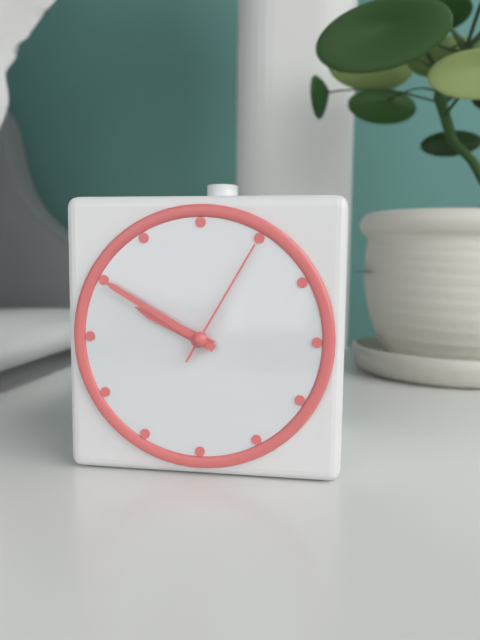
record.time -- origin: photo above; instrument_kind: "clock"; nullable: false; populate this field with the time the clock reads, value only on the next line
9:50:05
